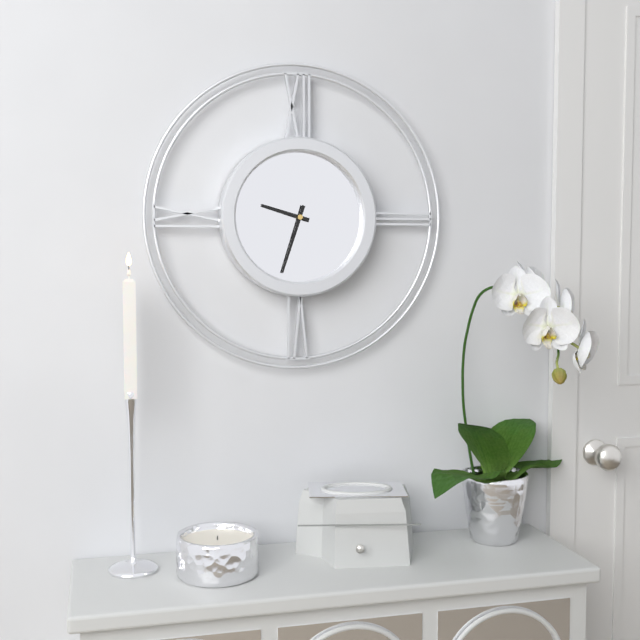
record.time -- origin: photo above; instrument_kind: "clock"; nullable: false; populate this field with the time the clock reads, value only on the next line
9:33
